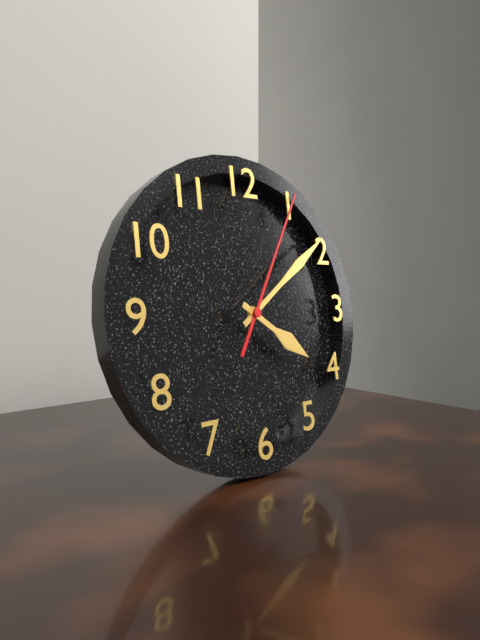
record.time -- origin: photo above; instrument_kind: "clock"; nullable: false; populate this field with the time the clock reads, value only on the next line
4:09:05
